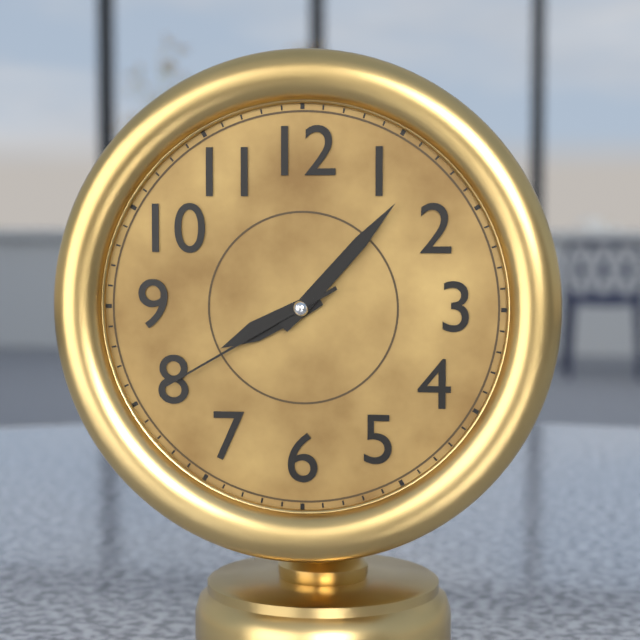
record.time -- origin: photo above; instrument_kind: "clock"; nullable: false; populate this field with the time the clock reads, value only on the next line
8:07:40
